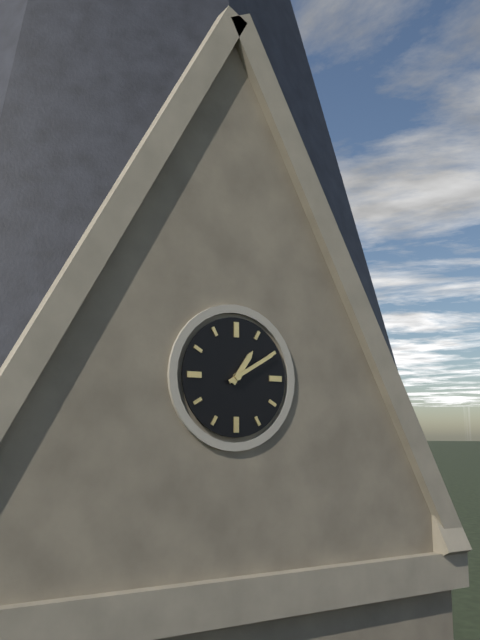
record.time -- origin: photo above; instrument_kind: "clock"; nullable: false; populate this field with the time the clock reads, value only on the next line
1:10
